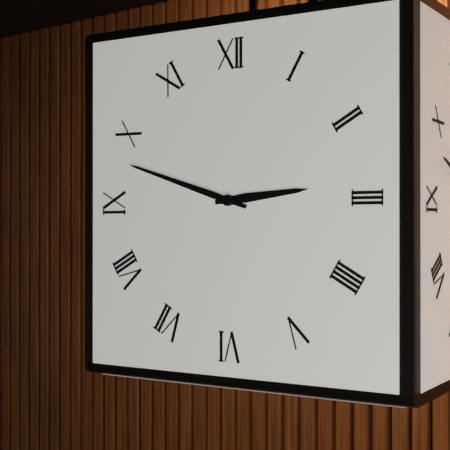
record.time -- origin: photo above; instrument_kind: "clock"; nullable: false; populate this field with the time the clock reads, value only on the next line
2:48
